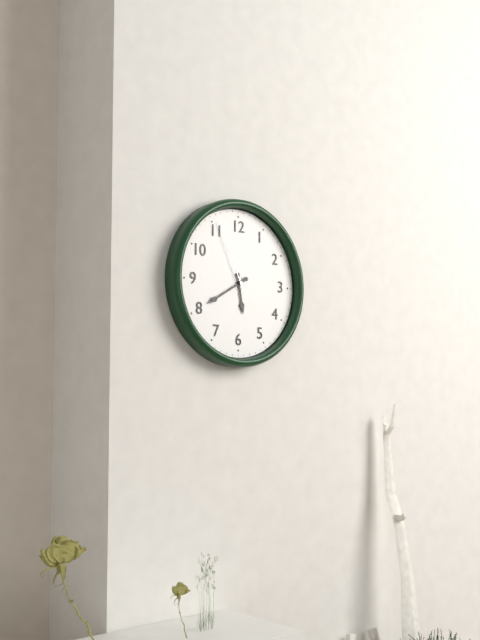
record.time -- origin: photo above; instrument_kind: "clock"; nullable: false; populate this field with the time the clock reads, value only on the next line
5:40:56
